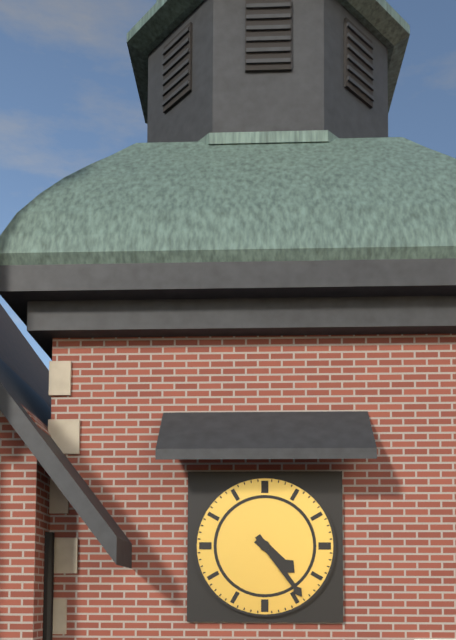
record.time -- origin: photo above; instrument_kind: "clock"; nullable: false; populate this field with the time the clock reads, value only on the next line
4:24
